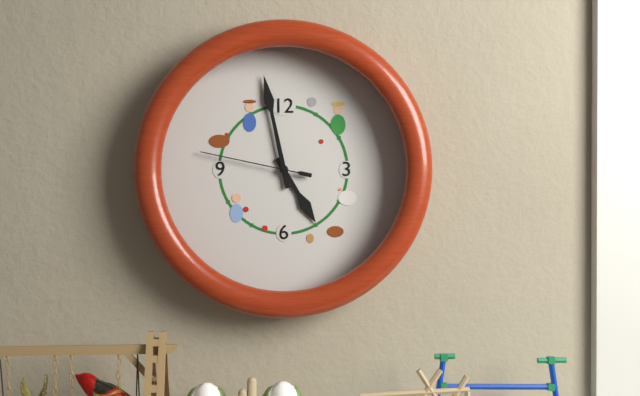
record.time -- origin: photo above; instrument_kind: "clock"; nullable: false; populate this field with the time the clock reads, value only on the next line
4:58:47
